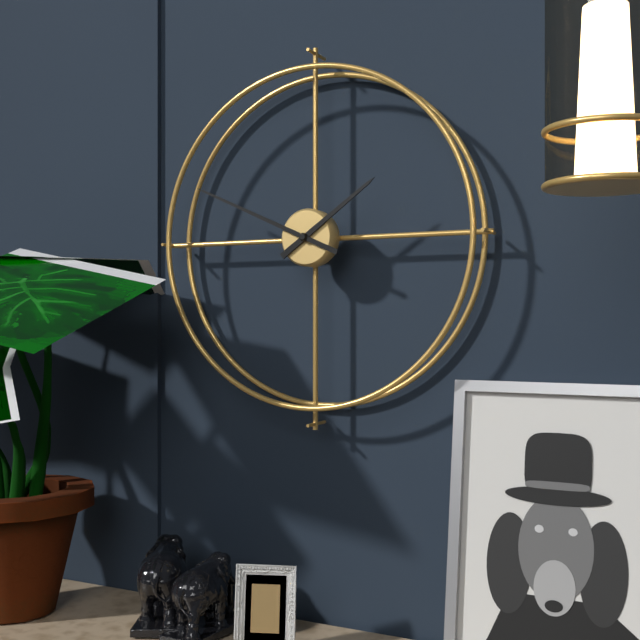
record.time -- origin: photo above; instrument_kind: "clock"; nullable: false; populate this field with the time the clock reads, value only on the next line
1:49
